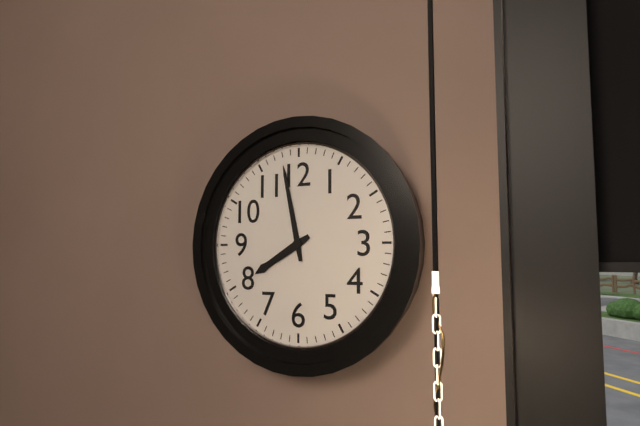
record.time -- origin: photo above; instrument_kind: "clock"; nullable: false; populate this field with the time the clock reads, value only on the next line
7:58
